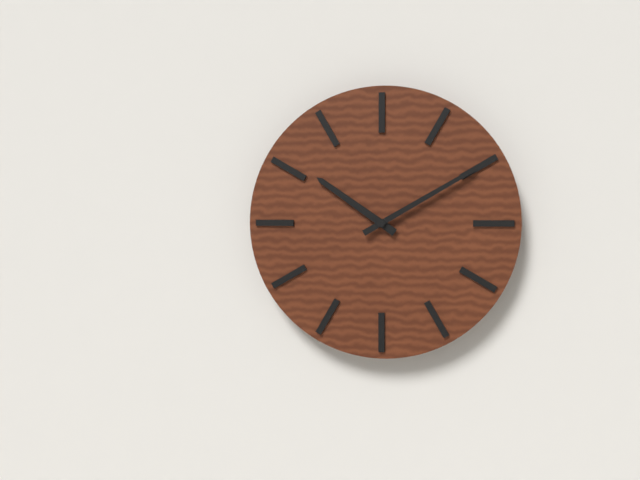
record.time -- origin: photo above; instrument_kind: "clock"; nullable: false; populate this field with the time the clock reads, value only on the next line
10:10
